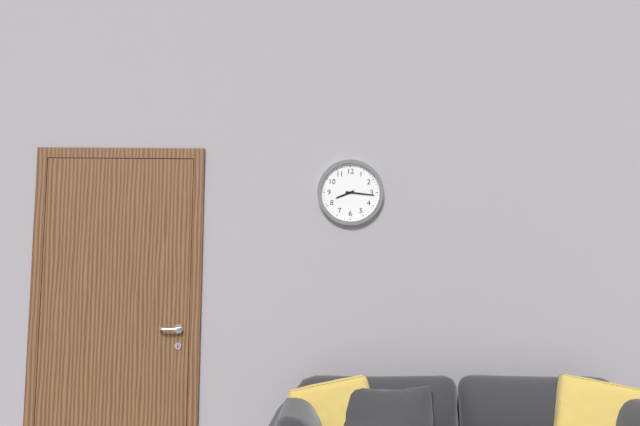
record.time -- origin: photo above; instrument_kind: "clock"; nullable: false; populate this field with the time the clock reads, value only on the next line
8:16
